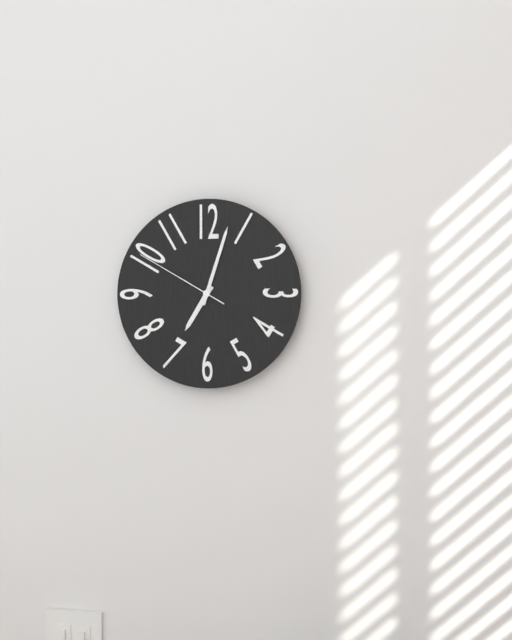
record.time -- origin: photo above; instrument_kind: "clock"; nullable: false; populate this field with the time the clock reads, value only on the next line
7:03:50
